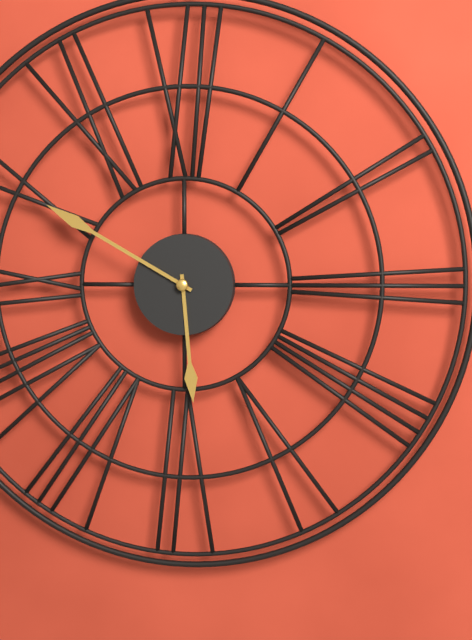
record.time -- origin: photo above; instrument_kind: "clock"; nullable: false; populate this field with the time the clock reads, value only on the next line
5:50
